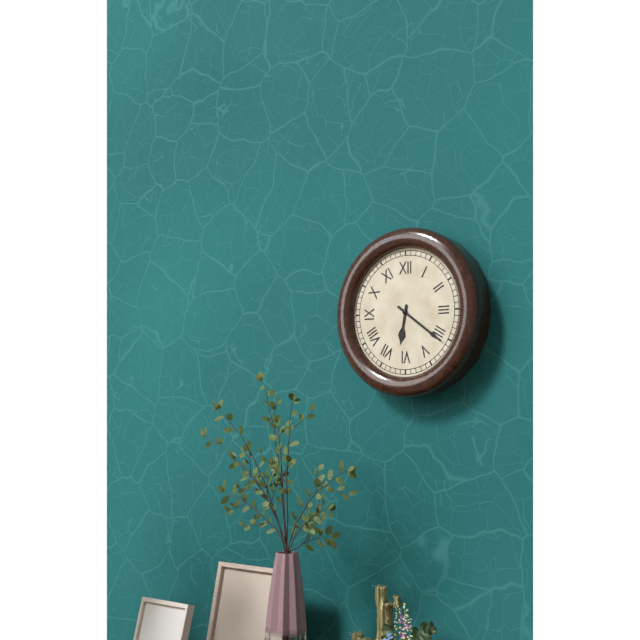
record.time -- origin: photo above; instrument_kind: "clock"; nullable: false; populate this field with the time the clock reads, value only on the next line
6:21
